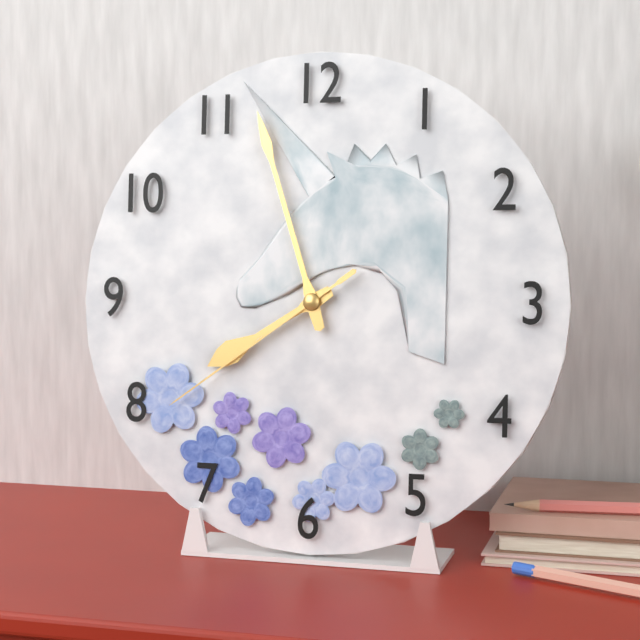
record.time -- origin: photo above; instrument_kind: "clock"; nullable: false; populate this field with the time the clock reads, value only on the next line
7:57:39
